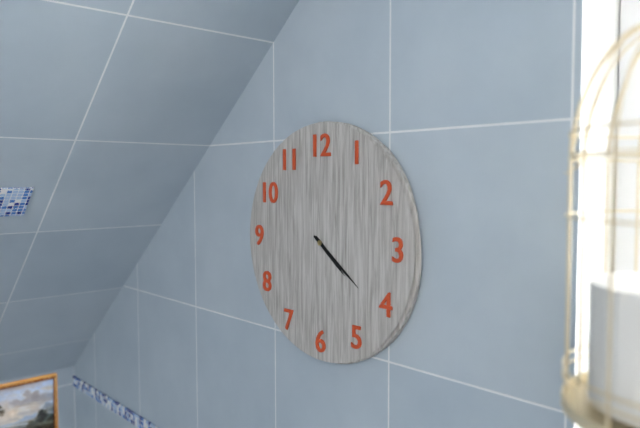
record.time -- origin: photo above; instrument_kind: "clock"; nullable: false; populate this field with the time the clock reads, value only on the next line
4:21
